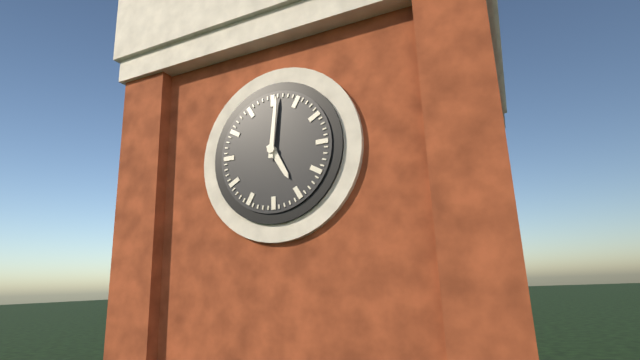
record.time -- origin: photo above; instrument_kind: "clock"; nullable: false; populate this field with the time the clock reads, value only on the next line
5:01
